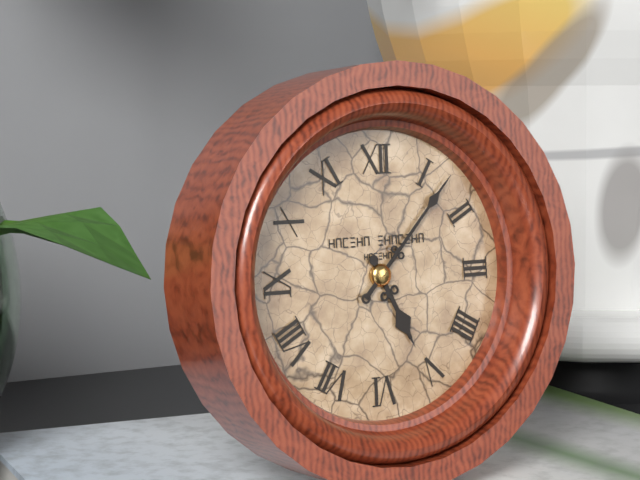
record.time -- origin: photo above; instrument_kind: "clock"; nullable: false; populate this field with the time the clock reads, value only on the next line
5:07
